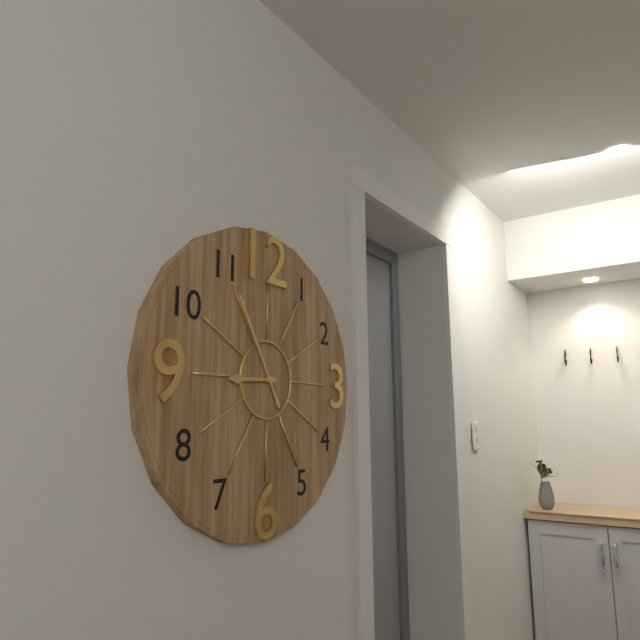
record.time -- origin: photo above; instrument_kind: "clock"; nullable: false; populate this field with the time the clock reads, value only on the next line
8:55
